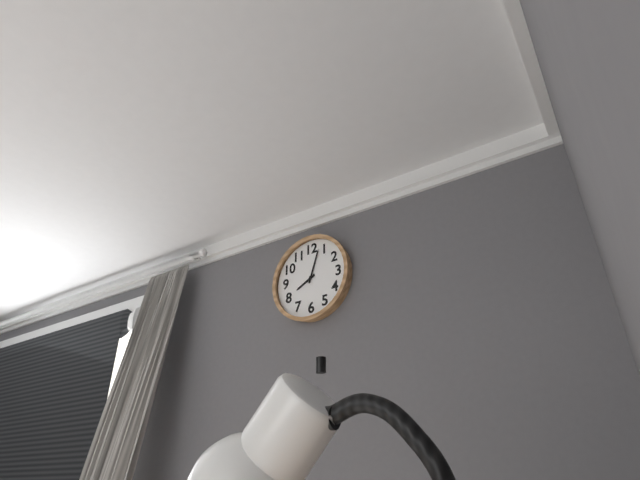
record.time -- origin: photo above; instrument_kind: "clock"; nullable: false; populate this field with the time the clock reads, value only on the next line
8:03
